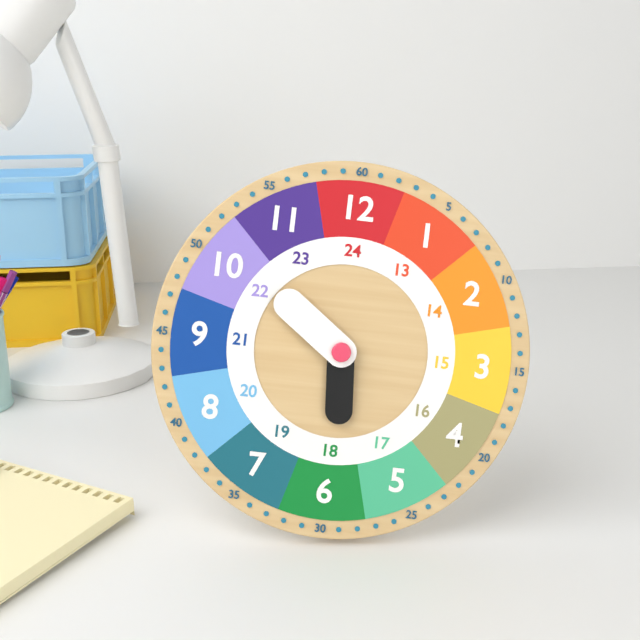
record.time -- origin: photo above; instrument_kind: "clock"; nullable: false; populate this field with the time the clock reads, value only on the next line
5:51
